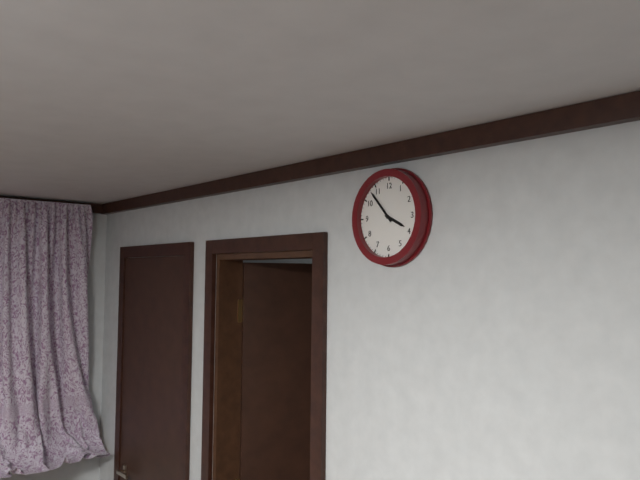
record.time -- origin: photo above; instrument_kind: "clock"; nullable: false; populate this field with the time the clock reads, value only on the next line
3:53
